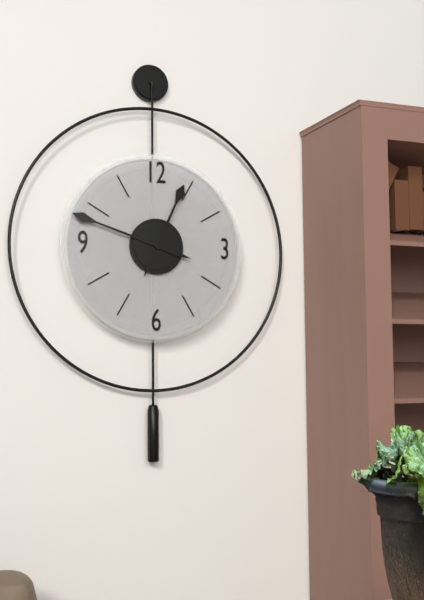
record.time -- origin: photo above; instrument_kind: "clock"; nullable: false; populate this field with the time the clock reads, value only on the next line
12:48
